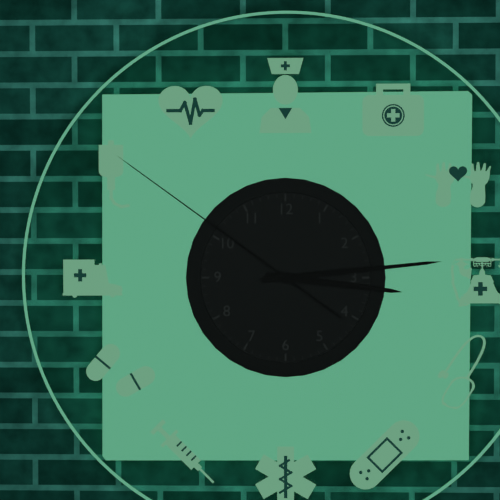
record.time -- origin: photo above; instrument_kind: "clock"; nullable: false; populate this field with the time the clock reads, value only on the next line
3:14:51
